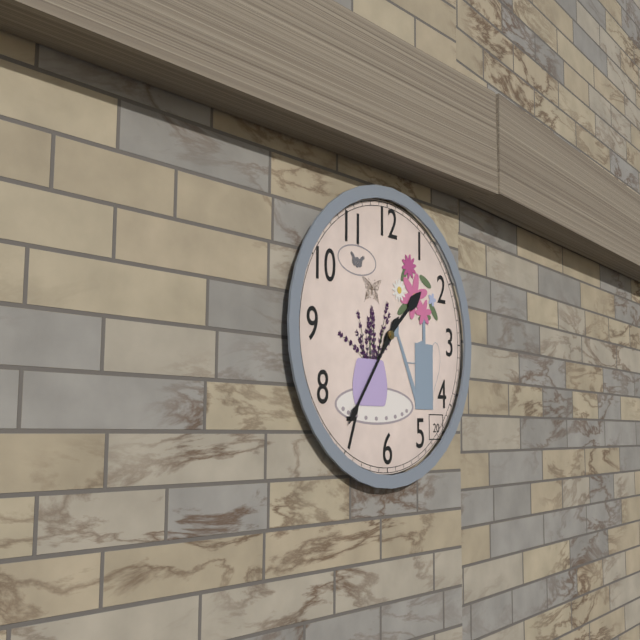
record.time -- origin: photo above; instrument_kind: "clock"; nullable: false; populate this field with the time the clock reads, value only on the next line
1:36
